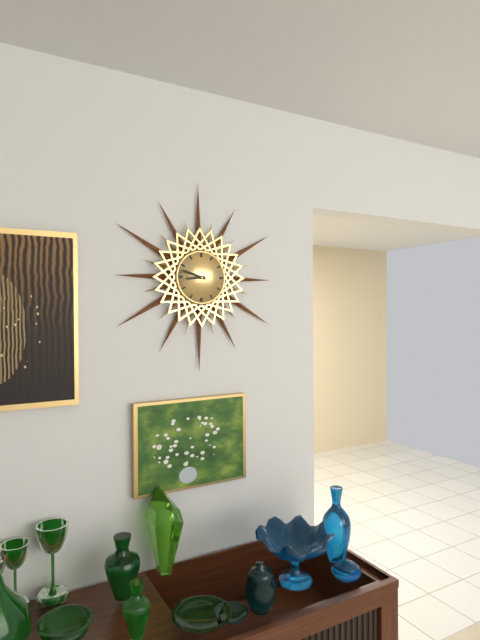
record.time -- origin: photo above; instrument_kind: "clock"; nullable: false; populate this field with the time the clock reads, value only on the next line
8:48
